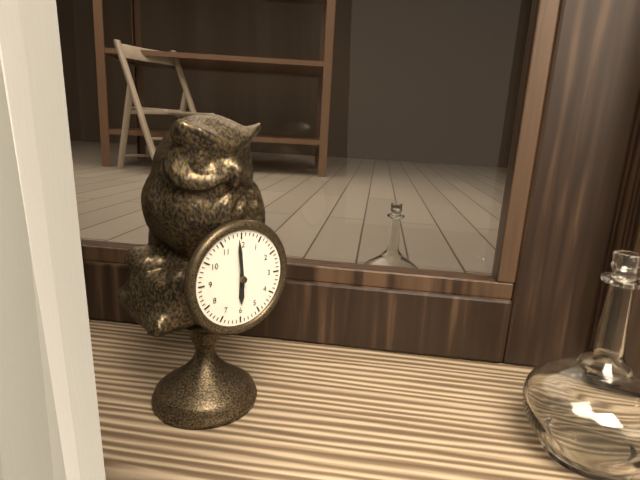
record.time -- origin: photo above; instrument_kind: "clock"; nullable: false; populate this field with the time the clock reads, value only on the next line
5:59
